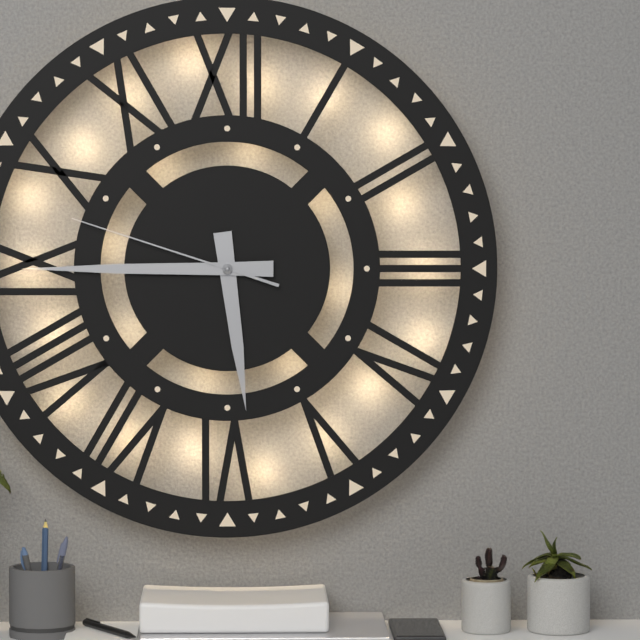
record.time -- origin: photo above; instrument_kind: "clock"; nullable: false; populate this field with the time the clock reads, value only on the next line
5:45:48
